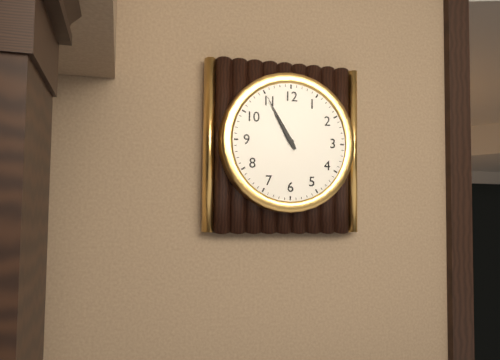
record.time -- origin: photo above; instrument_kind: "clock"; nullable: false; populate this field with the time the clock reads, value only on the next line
10:55
